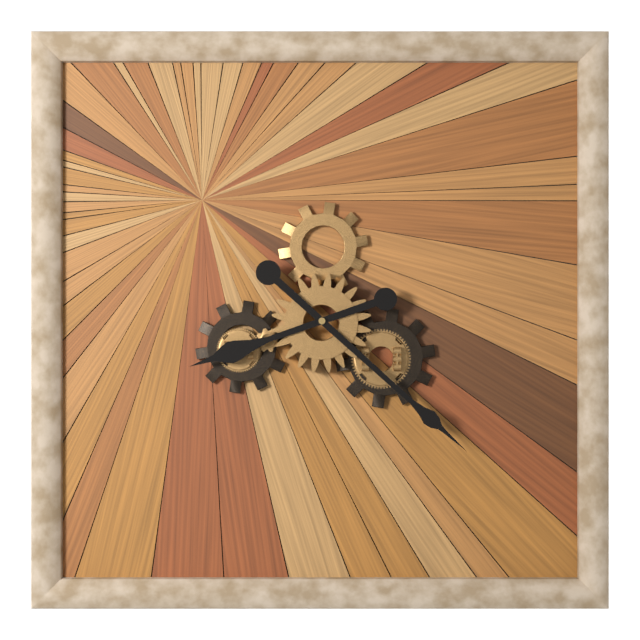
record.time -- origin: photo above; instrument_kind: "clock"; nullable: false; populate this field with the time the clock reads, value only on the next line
8:22
